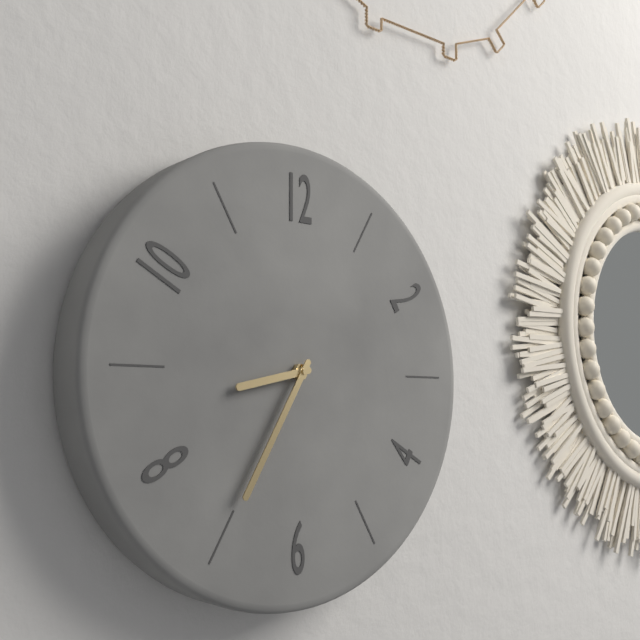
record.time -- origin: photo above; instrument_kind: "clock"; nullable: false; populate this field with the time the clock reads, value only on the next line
8:35
